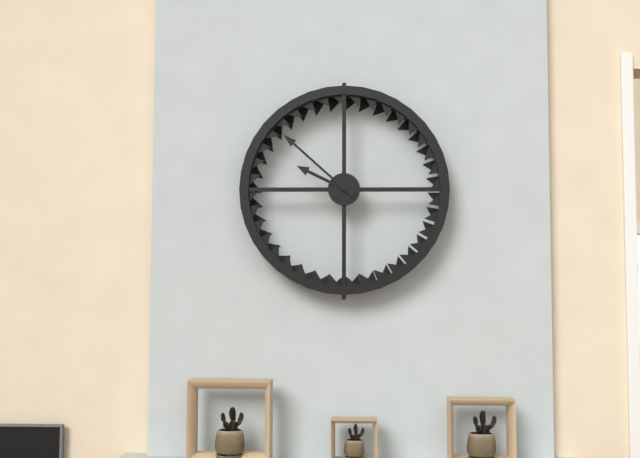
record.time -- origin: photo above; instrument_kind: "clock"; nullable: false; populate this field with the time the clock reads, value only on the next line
9:52
